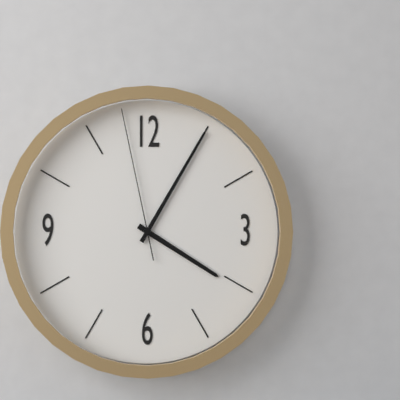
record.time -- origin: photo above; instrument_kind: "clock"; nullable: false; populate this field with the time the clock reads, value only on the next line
4:05:58
